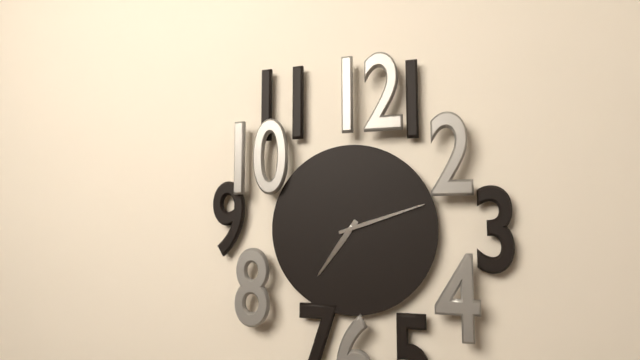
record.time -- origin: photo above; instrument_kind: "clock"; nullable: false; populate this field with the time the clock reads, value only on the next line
7:12
